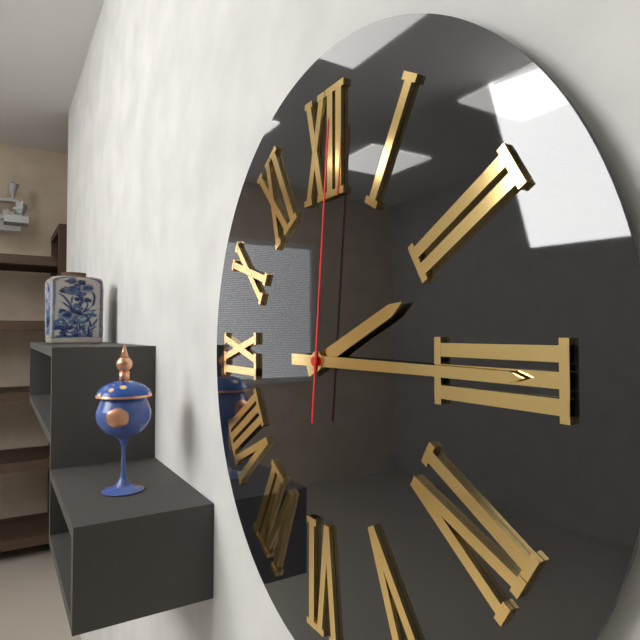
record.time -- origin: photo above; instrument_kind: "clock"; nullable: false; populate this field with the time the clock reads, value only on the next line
2:15:01
